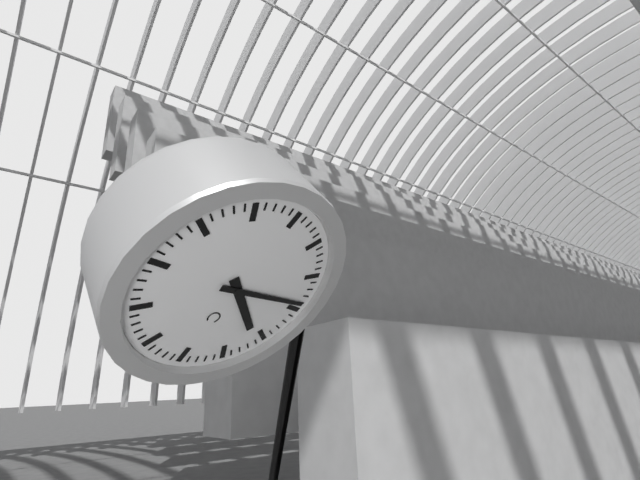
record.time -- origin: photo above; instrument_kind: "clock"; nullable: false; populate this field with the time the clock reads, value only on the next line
4:14
